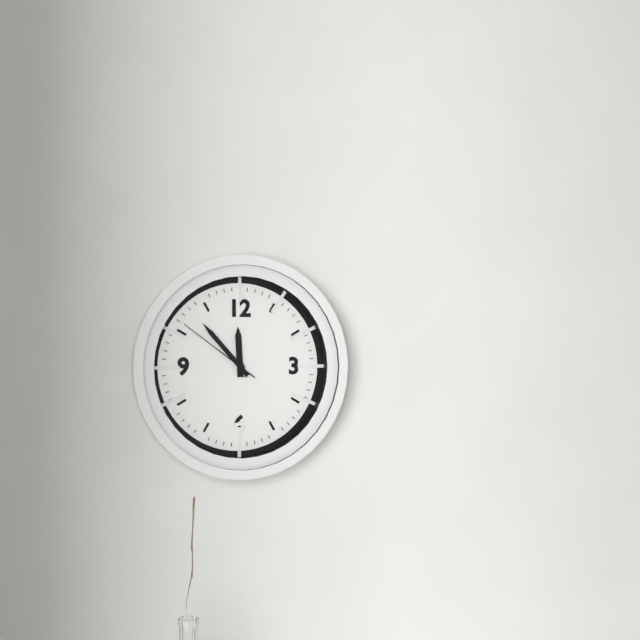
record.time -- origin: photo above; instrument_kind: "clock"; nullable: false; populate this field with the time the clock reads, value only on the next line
11:53:51
